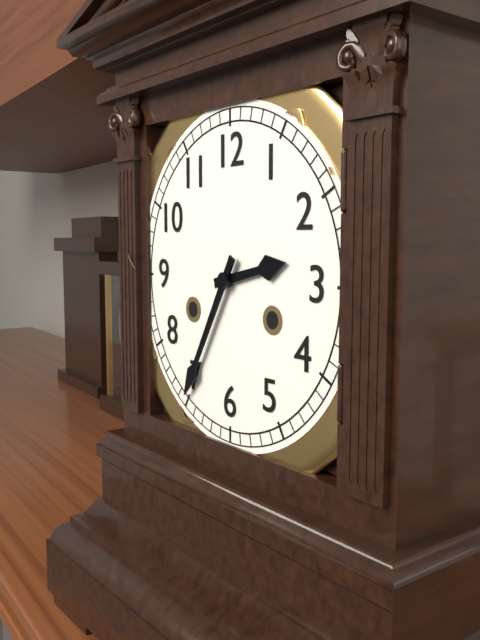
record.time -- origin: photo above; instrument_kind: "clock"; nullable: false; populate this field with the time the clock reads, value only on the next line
2:35
